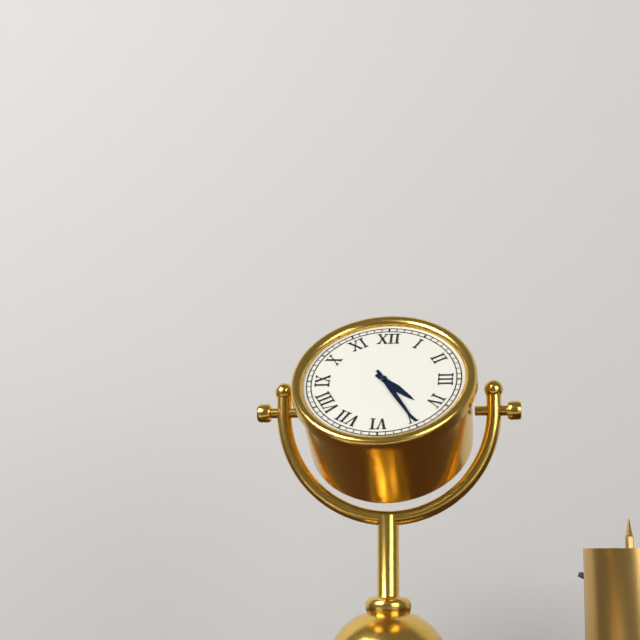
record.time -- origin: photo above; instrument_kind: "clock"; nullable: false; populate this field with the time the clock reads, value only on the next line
4:25
